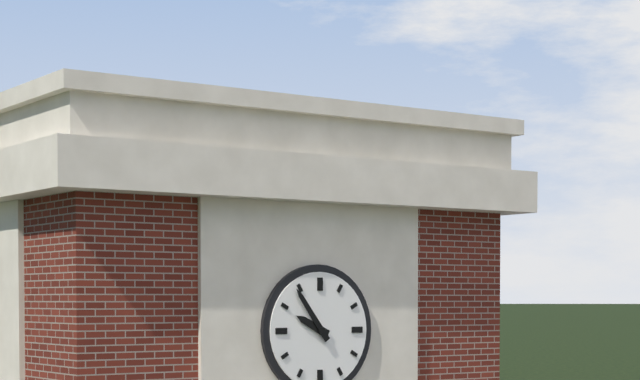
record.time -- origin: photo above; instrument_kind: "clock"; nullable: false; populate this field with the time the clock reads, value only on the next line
9:54
